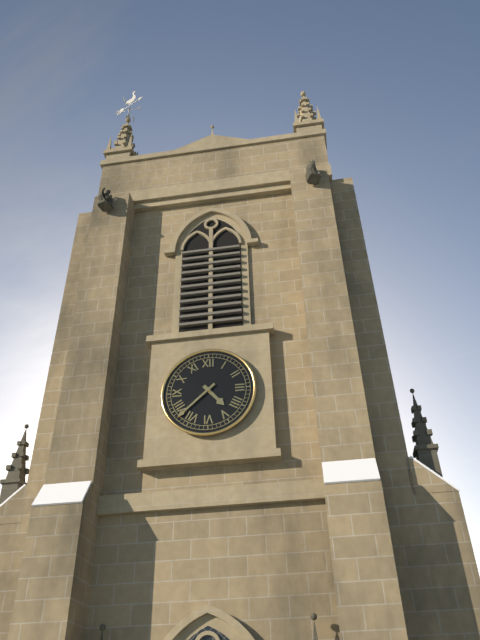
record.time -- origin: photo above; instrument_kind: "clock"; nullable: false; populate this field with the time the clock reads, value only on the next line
4:38
